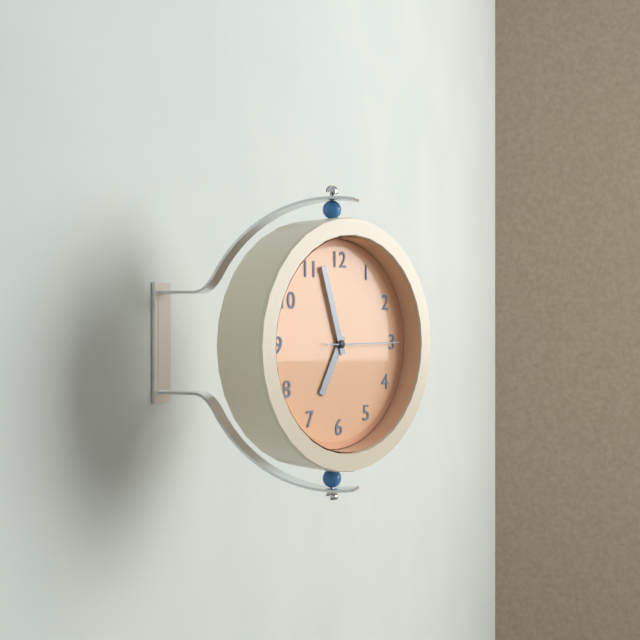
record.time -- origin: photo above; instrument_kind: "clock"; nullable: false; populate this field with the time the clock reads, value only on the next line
6:57:15
